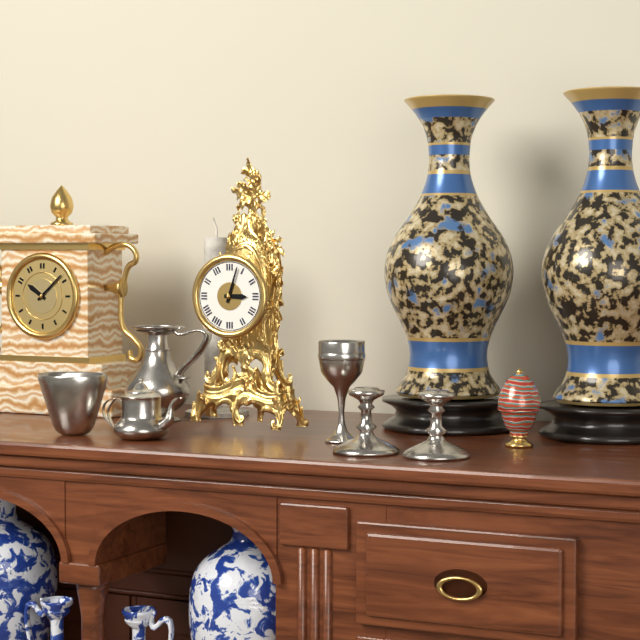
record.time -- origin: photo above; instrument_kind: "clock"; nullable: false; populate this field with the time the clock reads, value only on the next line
3:03
